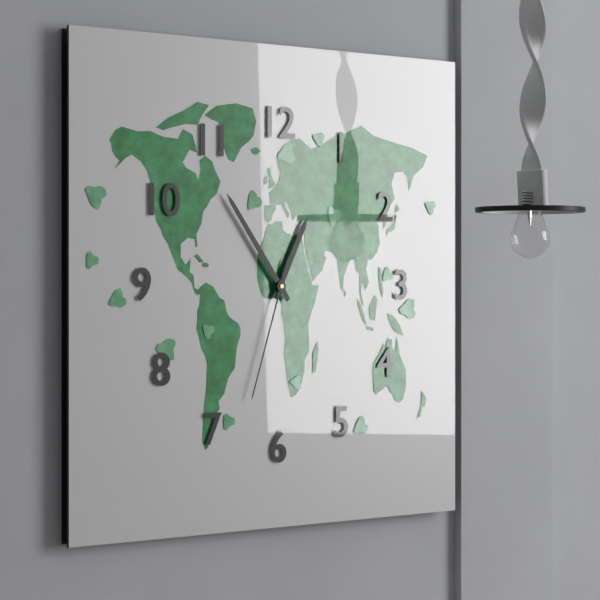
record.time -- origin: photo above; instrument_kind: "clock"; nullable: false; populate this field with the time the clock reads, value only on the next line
12:54:33
